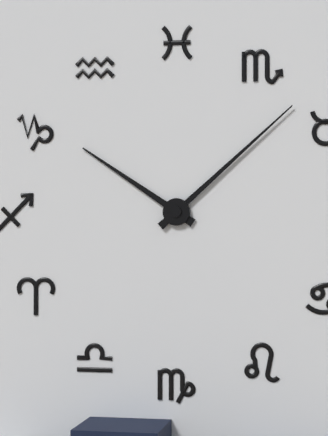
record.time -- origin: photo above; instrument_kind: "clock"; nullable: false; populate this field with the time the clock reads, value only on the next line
10:08
